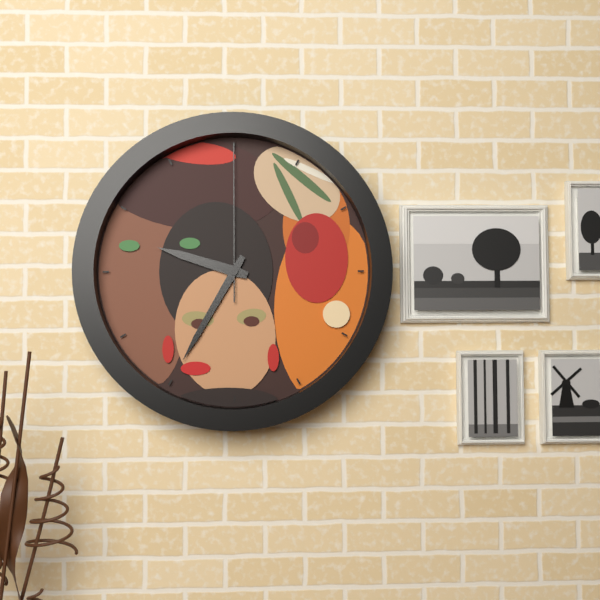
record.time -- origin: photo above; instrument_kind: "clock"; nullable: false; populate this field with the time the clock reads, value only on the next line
9:35:00
